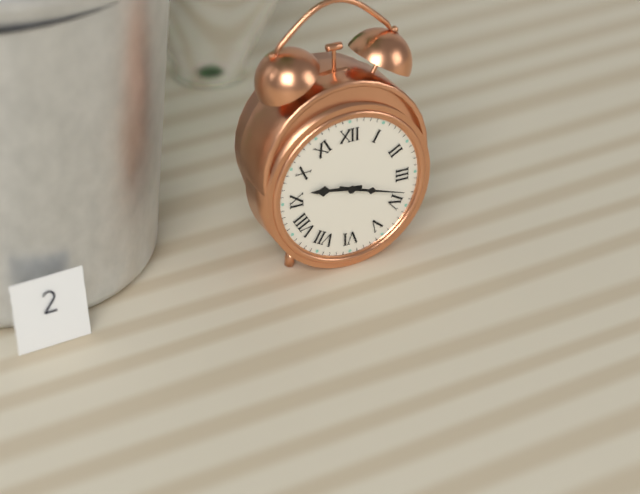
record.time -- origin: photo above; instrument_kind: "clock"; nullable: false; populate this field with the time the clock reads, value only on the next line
9:18
